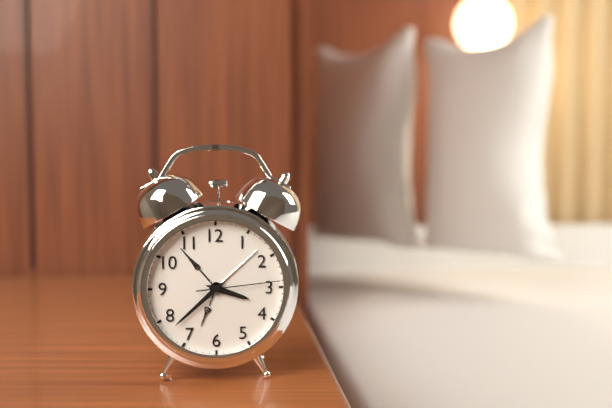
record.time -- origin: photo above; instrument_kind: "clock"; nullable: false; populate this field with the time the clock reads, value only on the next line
3:38:14
